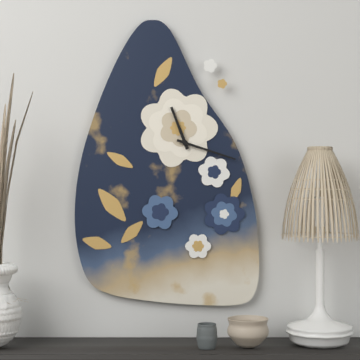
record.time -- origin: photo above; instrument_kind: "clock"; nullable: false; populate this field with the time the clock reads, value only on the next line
11:18
